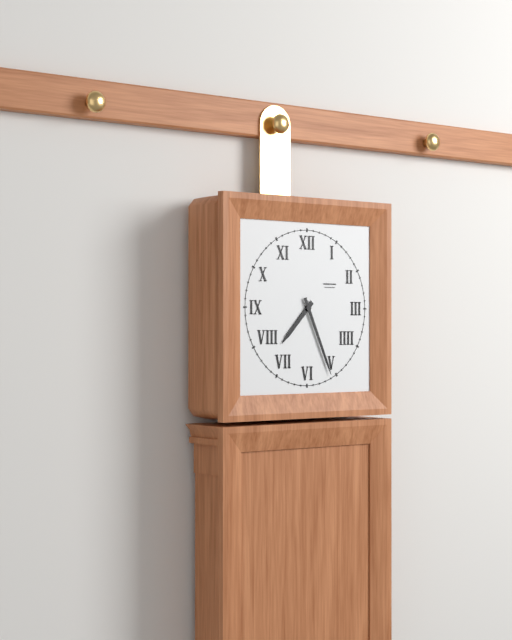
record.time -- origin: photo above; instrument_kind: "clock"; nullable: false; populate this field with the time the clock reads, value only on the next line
7:26
